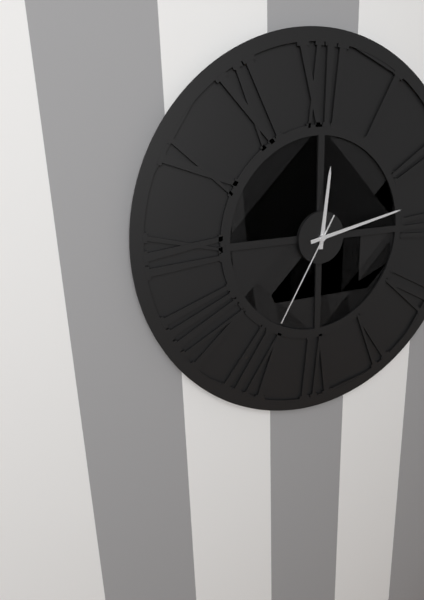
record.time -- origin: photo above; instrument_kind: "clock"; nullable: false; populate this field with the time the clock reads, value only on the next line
12:13:35
